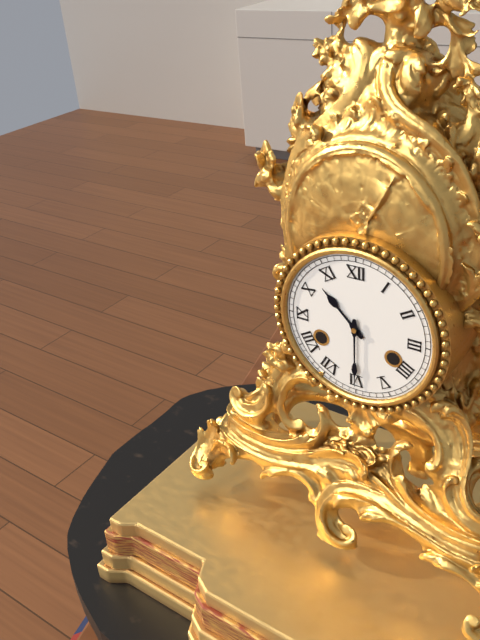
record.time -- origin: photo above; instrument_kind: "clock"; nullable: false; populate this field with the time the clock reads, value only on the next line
10:30
